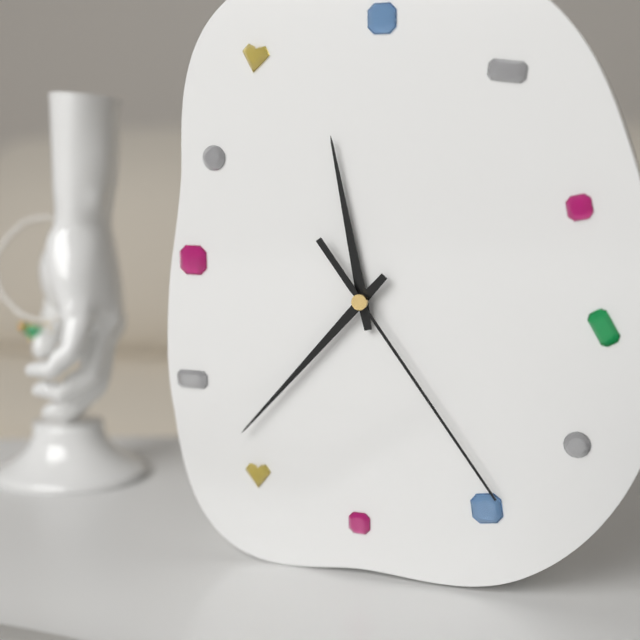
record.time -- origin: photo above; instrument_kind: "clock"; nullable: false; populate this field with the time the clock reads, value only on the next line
11:37:24
